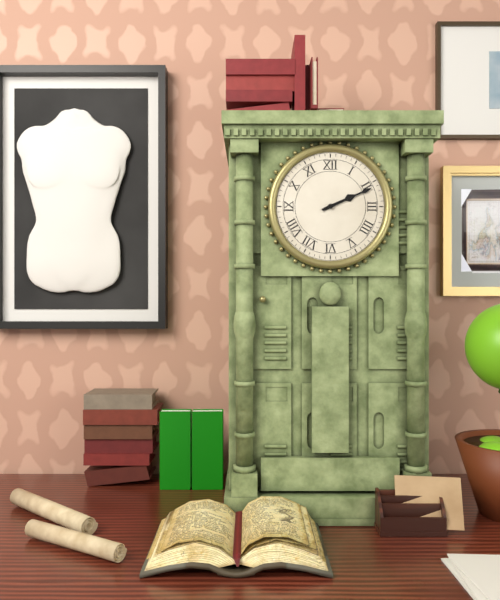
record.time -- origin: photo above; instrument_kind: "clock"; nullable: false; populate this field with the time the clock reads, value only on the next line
2:11
